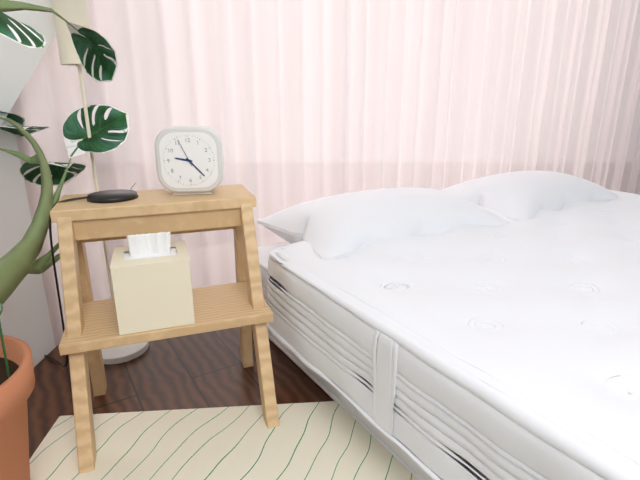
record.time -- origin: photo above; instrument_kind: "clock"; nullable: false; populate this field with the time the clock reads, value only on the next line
9:23
